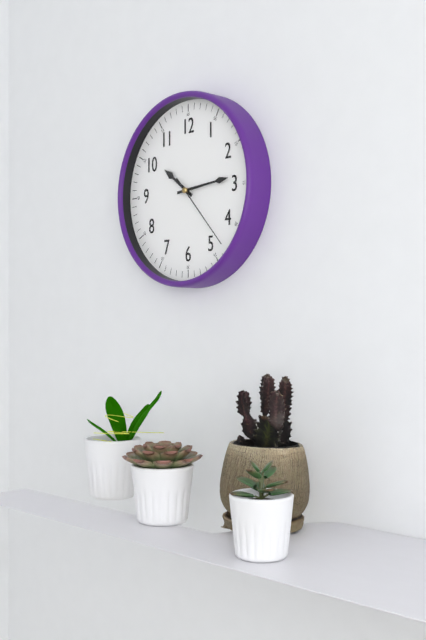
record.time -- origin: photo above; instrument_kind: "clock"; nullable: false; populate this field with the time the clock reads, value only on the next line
10:14:23
